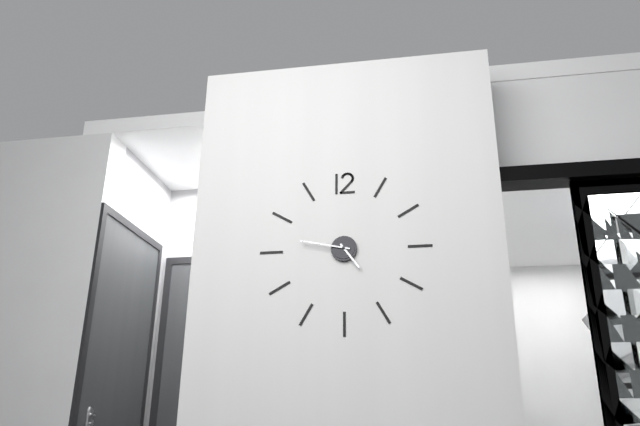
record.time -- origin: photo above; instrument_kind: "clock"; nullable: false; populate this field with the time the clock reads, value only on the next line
4:47
